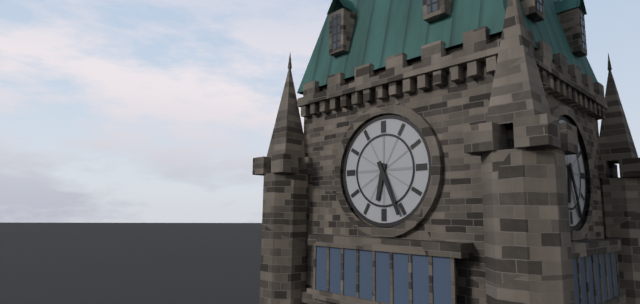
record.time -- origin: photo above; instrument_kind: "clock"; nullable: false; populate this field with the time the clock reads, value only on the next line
6:26
